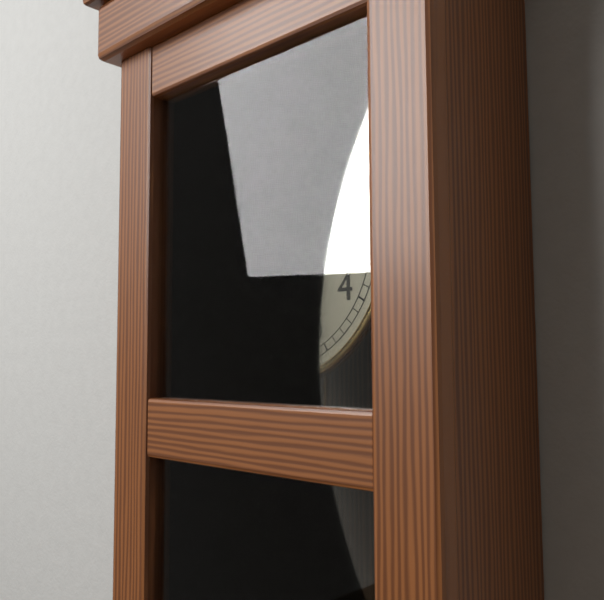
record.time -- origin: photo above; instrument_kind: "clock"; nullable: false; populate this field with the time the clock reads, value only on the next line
3:11
